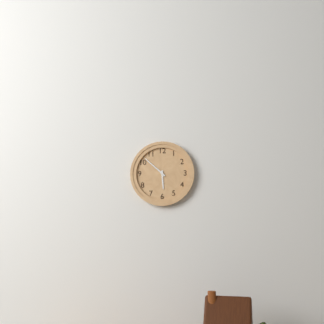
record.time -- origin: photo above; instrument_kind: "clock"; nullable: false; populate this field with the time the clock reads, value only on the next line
5:52
